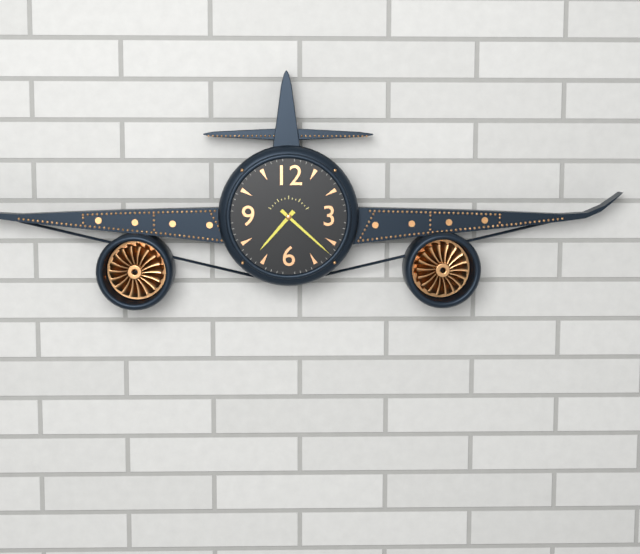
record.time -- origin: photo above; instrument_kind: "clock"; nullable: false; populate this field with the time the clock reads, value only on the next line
7:22
